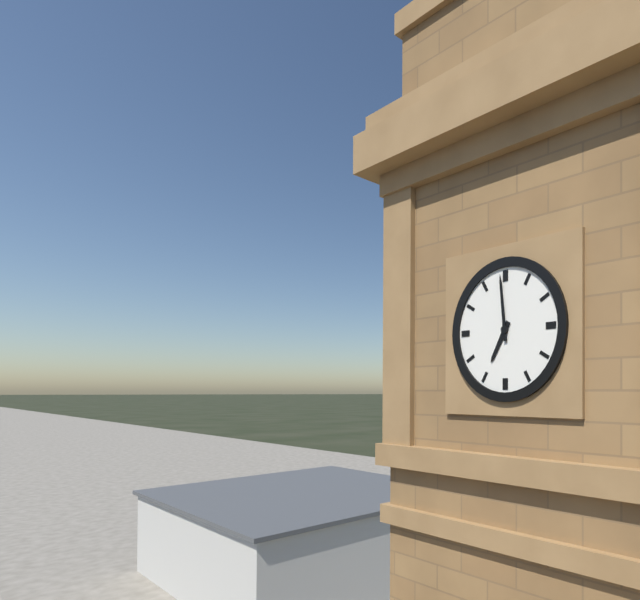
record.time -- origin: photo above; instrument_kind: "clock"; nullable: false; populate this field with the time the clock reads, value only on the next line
6:59
